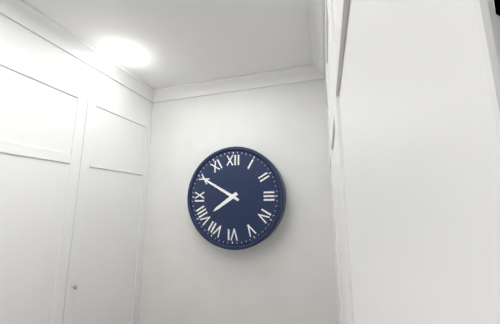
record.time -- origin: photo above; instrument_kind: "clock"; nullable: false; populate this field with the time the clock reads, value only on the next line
7:50
